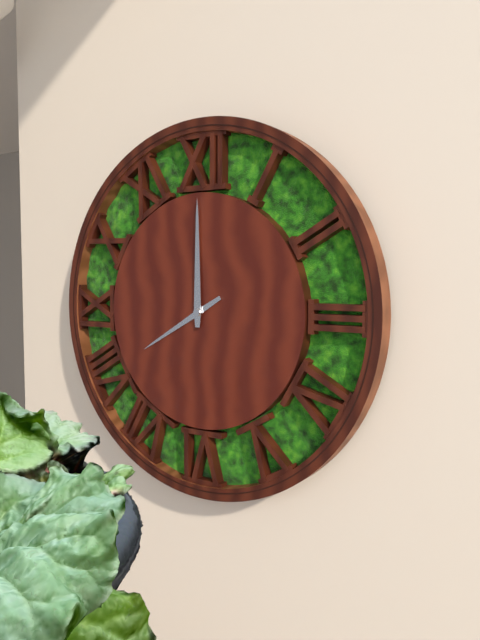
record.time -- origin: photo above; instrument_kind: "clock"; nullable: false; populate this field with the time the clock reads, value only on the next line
8:00
